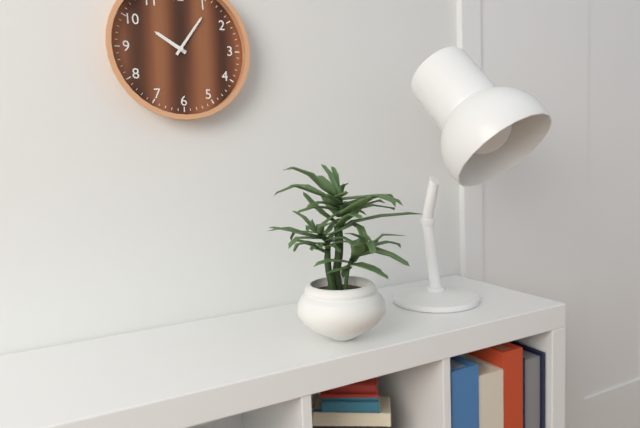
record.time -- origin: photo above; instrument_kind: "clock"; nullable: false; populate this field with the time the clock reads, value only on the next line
10:06
